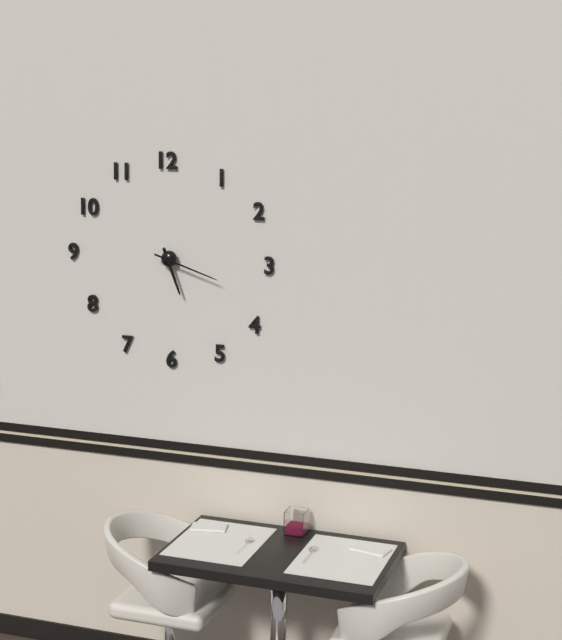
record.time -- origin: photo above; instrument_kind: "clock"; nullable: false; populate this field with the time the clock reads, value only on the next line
5:18
